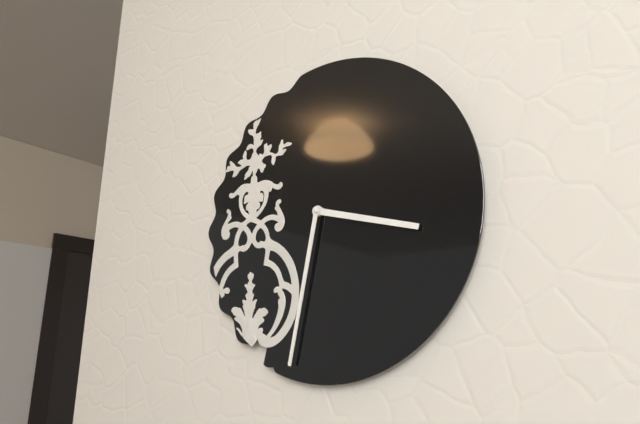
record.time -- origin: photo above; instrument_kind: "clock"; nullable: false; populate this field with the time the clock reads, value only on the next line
3:32
